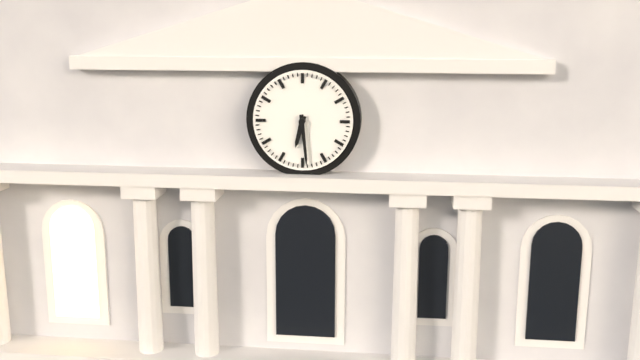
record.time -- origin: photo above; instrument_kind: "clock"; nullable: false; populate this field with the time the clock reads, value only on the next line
6:29
